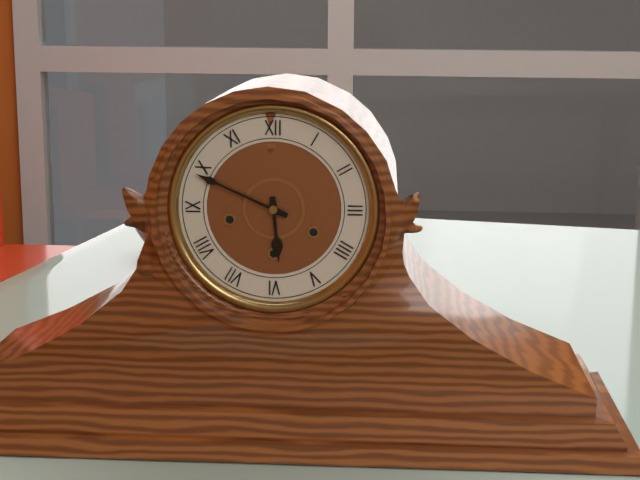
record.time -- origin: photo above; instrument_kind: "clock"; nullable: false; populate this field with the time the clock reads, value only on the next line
5:49
